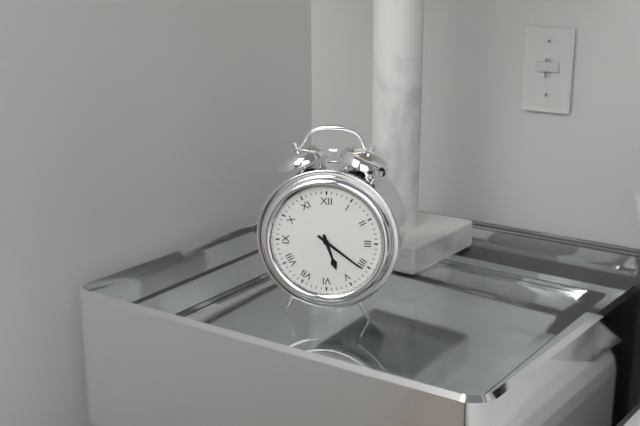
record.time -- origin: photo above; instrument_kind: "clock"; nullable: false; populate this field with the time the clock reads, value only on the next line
5:21
